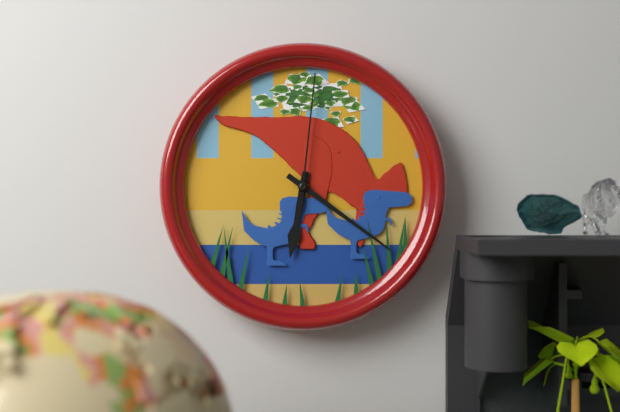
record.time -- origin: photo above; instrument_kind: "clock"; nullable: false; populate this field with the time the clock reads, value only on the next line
6:21:01
